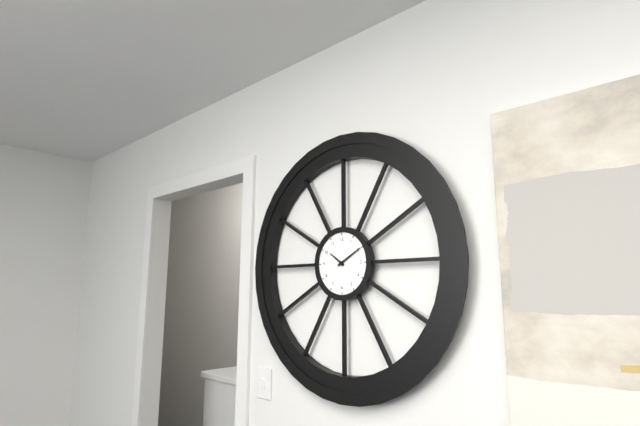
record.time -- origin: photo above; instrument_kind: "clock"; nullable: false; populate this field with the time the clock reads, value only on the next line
10:10
